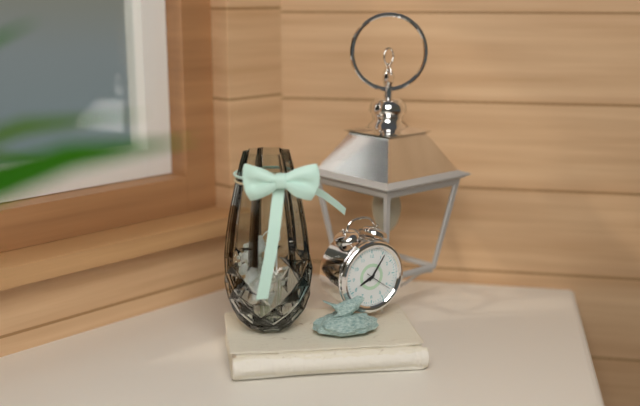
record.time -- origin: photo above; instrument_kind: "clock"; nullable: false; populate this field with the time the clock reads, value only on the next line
8:06
